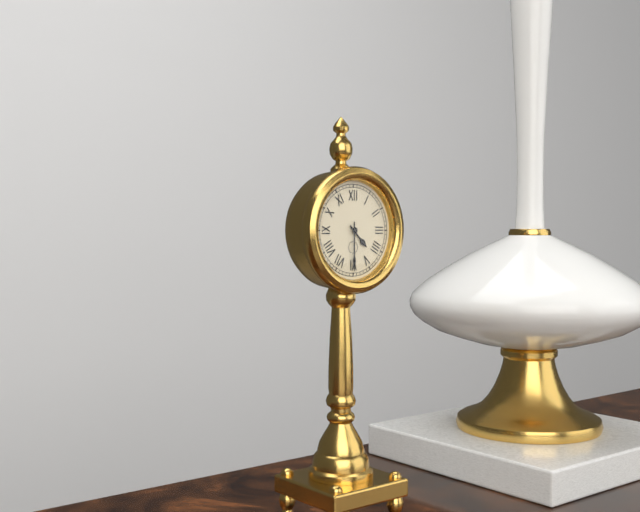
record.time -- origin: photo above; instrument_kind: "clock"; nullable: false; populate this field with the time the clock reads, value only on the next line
4:30
